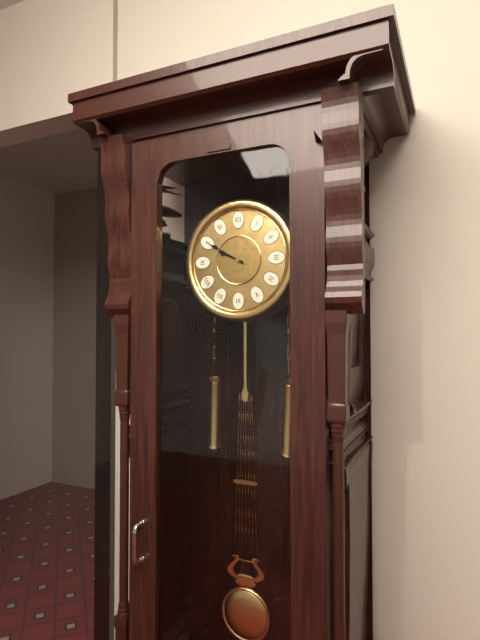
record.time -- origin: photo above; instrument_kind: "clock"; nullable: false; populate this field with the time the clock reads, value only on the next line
9:50
